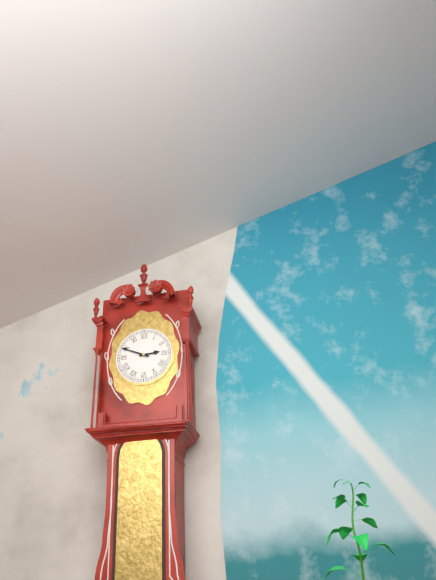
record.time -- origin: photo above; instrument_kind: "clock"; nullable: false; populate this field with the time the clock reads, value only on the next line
2:49
